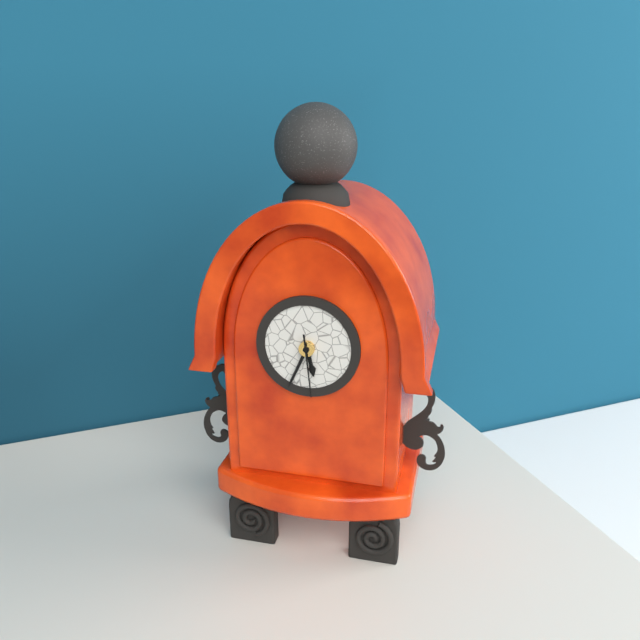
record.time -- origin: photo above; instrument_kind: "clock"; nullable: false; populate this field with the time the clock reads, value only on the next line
5:34:29
